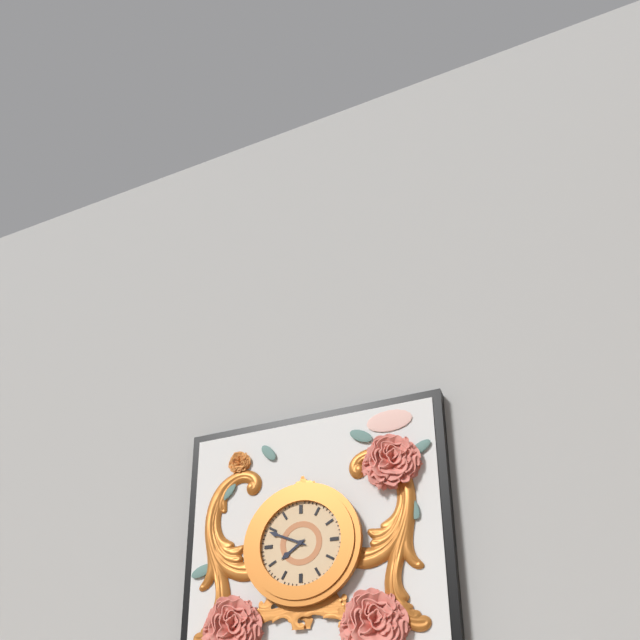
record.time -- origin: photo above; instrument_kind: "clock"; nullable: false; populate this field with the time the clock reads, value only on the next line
7:49
